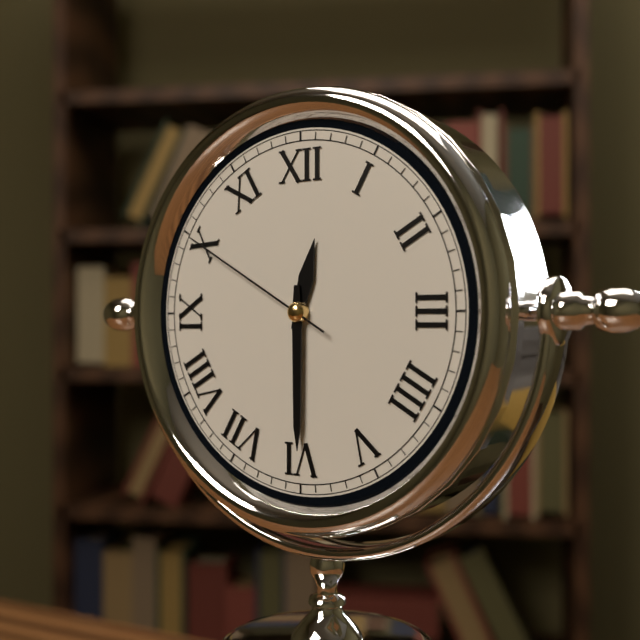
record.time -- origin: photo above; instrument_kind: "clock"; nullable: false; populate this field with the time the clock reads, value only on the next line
12:30:50
